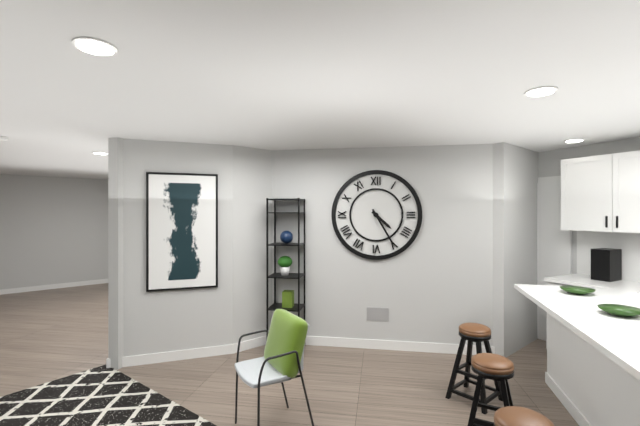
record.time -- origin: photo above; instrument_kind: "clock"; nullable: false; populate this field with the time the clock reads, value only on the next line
4:25
